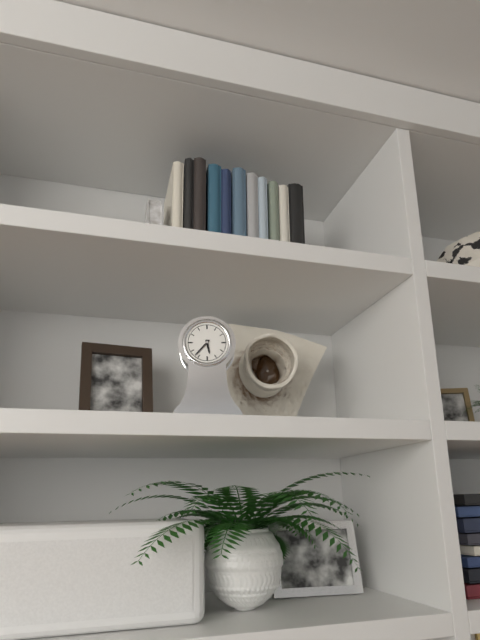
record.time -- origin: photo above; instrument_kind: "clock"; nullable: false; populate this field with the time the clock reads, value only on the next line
5:37
